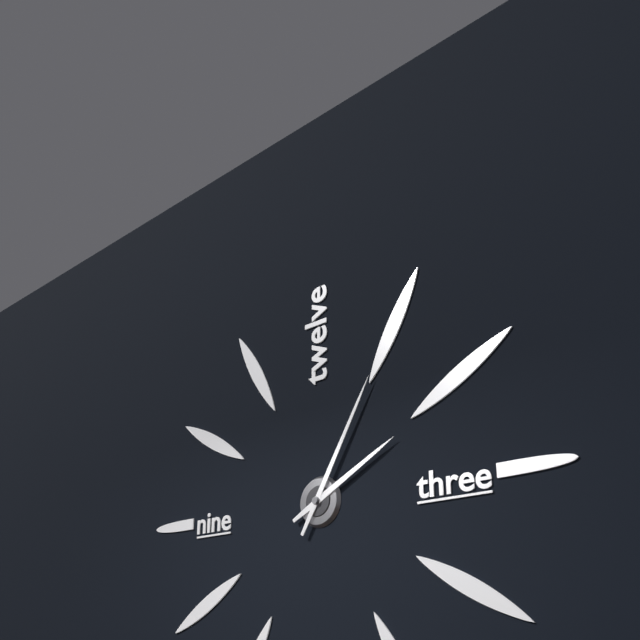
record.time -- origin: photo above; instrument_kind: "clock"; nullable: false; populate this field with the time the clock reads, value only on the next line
2:05
